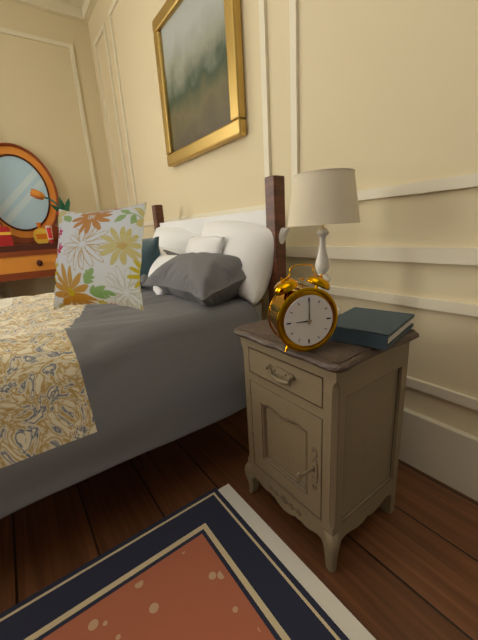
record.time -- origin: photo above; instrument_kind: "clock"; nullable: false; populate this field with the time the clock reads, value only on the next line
9:00
